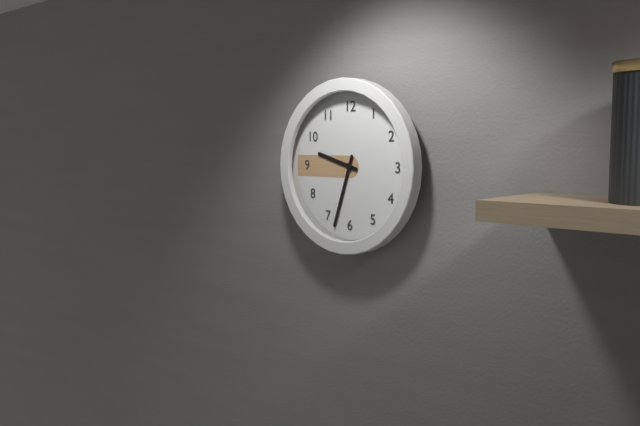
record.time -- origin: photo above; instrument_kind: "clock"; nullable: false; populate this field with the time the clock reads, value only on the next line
9:33
